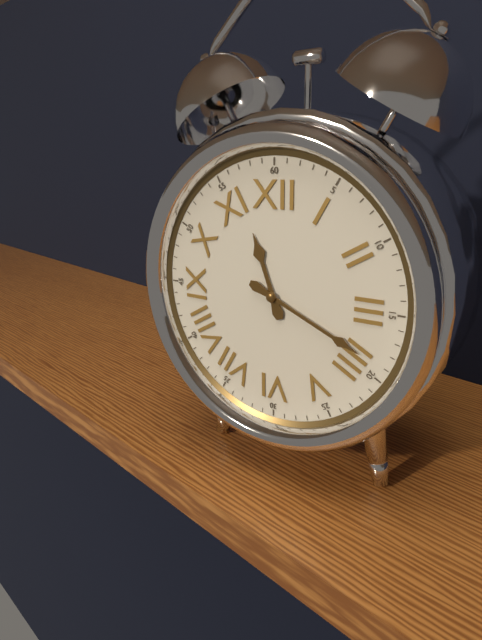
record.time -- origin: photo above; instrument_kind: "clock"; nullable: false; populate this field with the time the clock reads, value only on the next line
11:19
